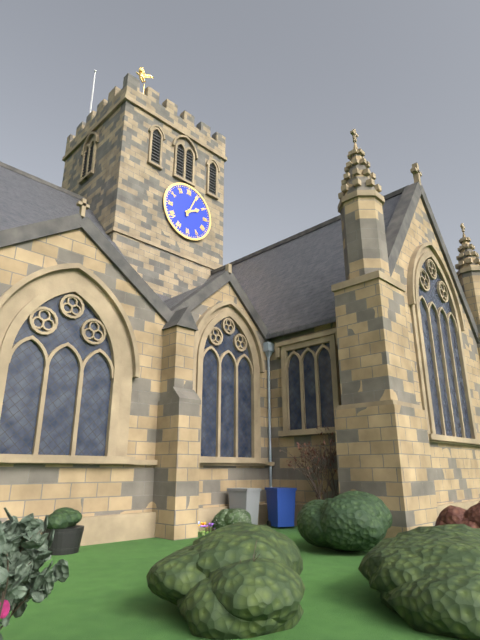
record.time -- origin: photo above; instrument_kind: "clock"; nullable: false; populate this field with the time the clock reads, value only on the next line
2:04
